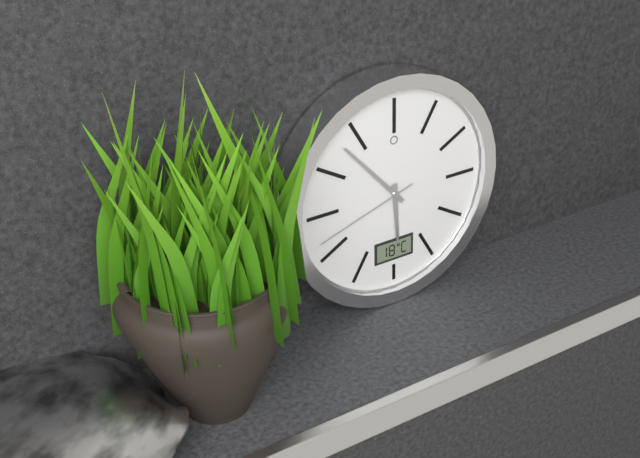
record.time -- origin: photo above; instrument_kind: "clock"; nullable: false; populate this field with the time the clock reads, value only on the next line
5:53:42
